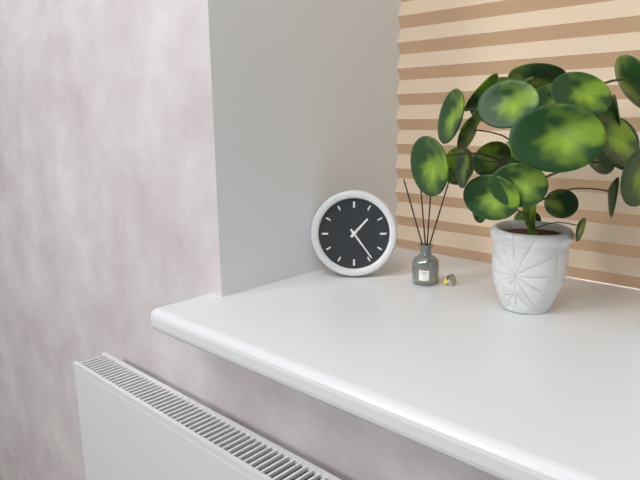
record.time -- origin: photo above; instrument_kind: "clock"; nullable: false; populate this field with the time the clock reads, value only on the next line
1:24
